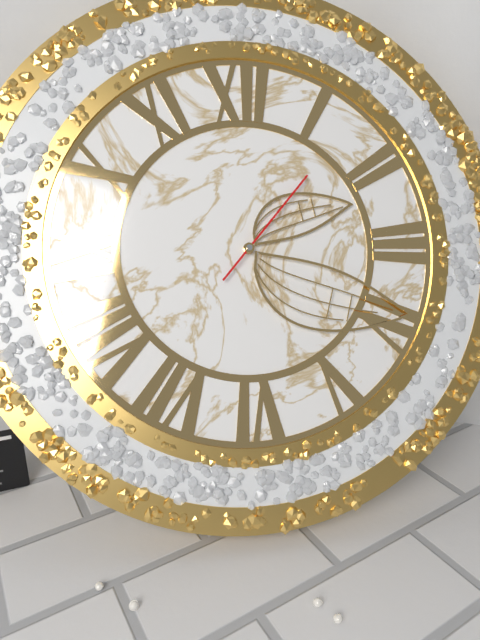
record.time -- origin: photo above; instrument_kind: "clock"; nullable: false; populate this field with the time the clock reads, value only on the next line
2:19:07
